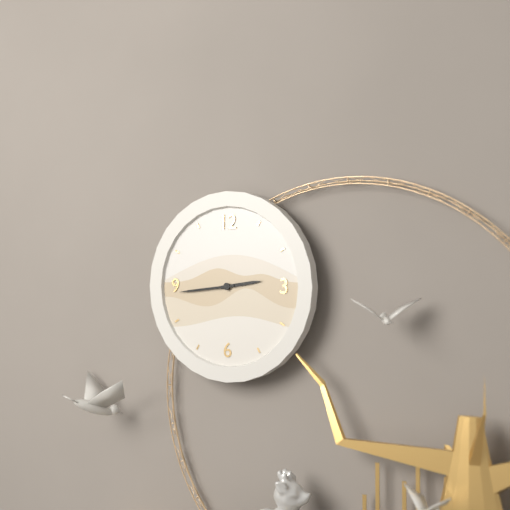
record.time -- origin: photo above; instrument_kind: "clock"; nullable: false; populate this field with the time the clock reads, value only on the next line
2:44
